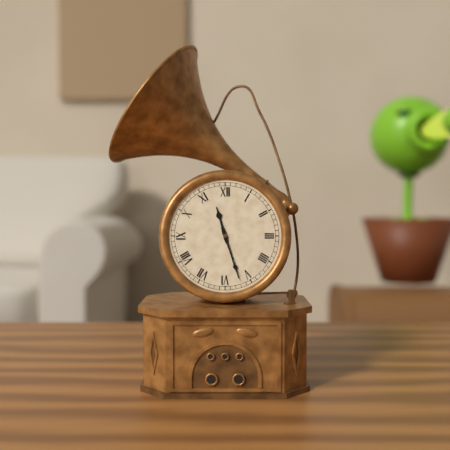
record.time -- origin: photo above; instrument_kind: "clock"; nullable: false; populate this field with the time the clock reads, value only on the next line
11:27
